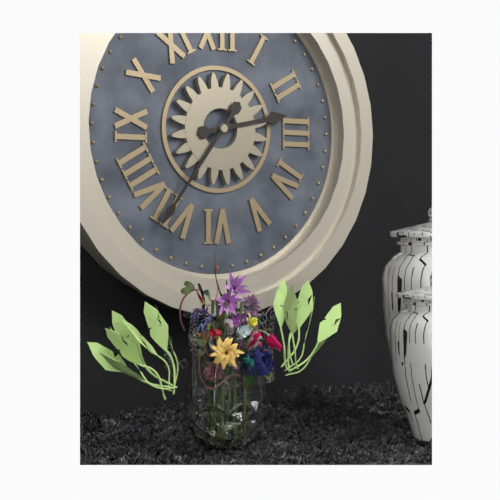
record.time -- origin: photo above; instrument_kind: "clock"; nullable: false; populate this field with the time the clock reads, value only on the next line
2:36
